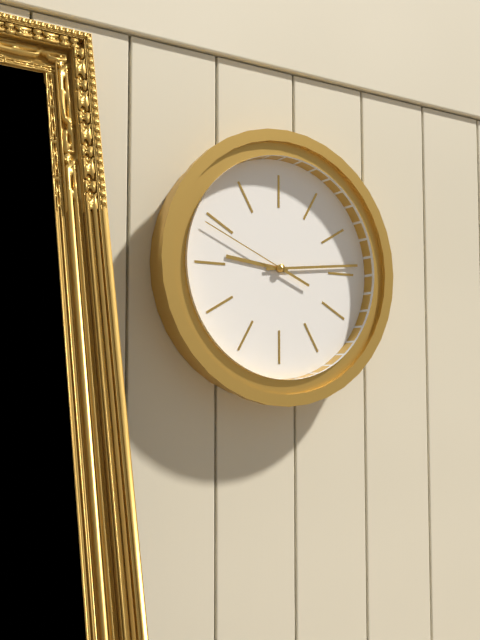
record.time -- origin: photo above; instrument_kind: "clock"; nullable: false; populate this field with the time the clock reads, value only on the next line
9:14:49
